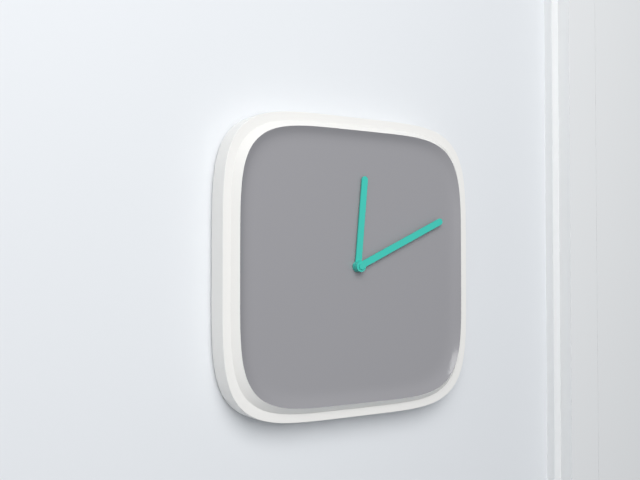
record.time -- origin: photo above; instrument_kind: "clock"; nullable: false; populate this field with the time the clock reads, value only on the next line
12:11
